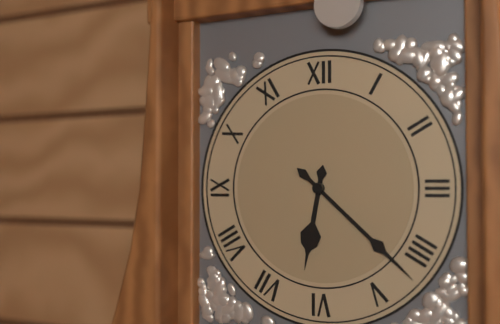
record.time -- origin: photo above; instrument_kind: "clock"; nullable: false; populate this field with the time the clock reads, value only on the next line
6:22
